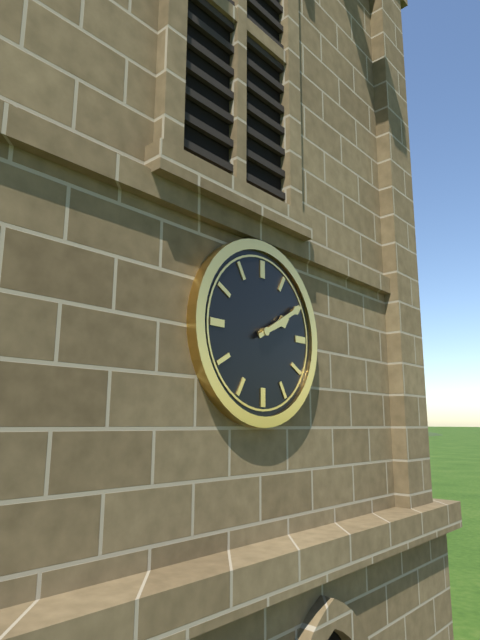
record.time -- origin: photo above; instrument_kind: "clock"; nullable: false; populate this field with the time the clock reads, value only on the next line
2:10
